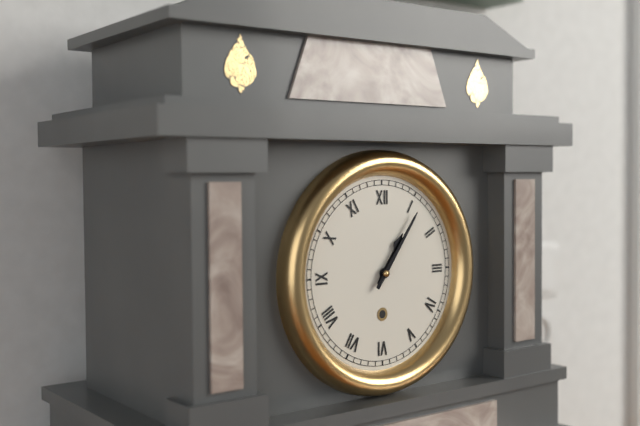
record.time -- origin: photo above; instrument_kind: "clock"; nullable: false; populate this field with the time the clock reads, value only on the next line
1:06
